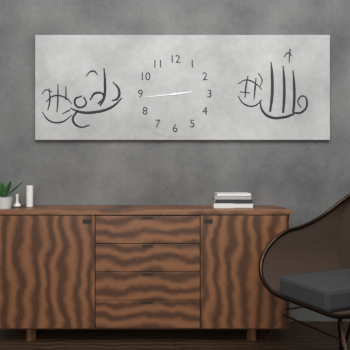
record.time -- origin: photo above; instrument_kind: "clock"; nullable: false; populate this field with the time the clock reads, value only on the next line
2:44
